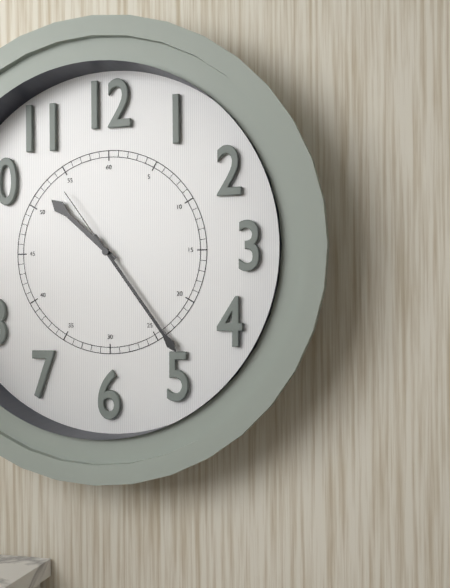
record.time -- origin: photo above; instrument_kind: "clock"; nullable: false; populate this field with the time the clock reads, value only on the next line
10:24:54
